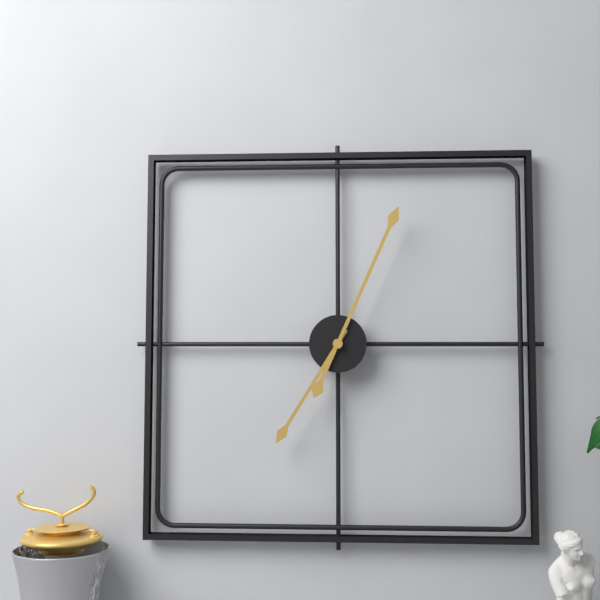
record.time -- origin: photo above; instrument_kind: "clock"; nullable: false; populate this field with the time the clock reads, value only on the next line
7:04
